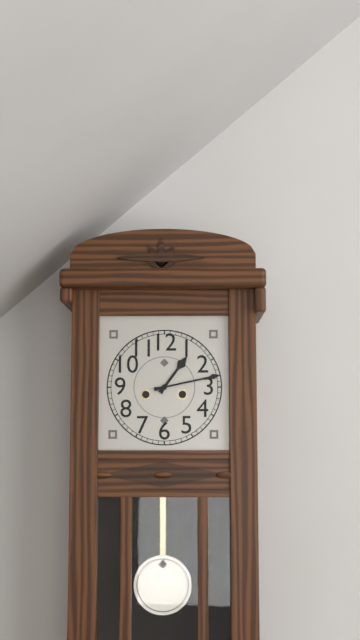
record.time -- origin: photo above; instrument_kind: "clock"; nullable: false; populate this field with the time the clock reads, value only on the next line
1:13
